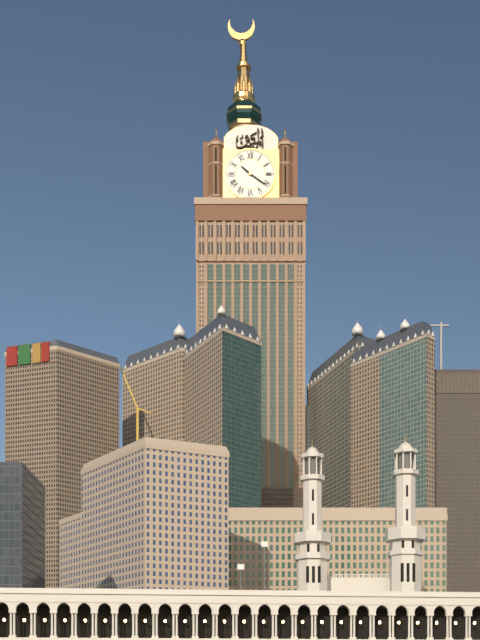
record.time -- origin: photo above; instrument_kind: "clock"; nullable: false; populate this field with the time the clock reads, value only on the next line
10:21
